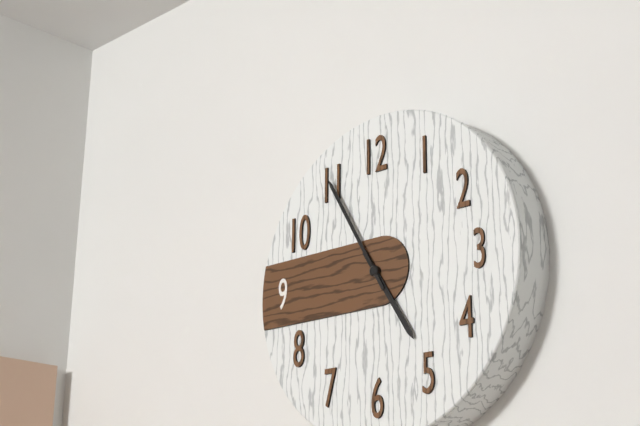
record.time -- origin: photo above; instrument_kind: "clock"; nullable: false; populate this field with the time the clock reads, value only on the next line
4:55
